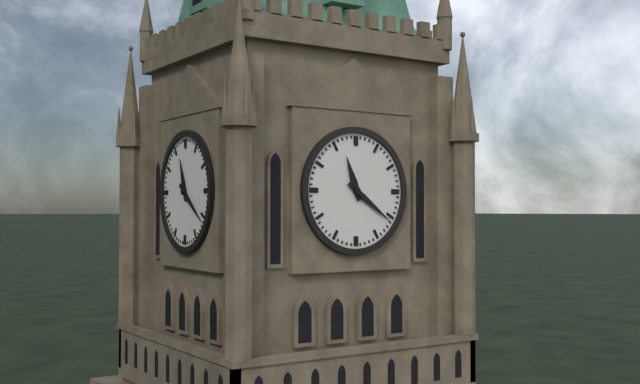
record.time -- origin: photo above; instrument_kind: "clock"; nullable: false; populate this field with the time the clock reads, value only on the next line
11:21
